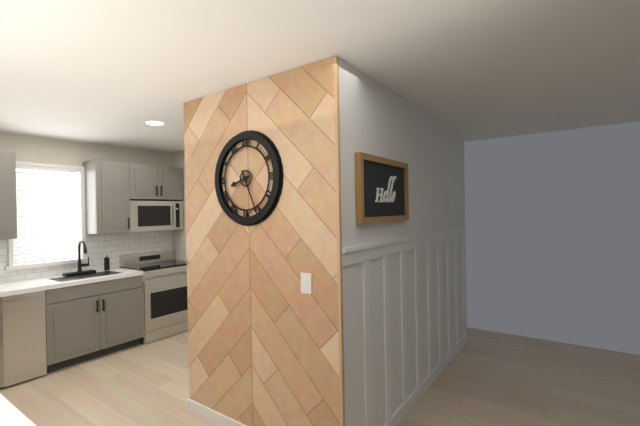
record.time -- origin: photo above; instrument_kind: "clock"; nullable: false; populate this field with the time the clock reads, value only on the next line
8:26
